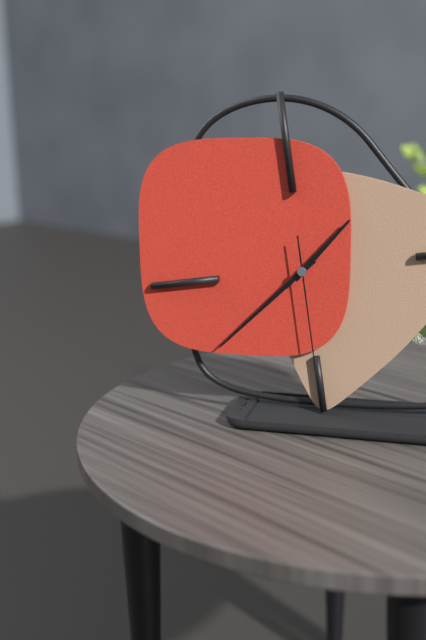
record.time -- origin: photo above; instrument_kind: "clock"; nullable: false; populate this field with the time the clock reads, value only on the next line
1:39:30
